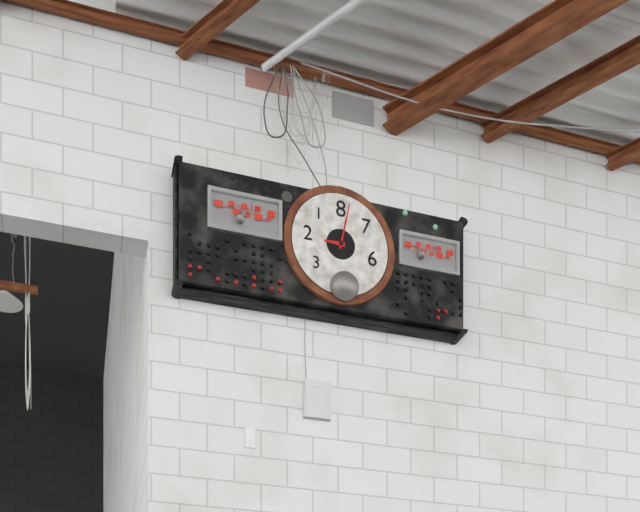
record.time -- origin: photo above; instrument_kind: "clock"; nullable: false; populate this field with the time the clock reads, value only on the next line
9:02
